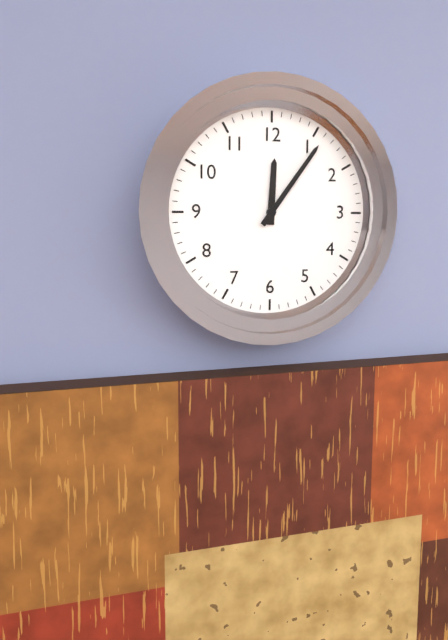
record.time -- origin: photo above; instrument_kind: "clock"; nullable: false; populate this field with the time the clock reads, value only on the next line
12:06
